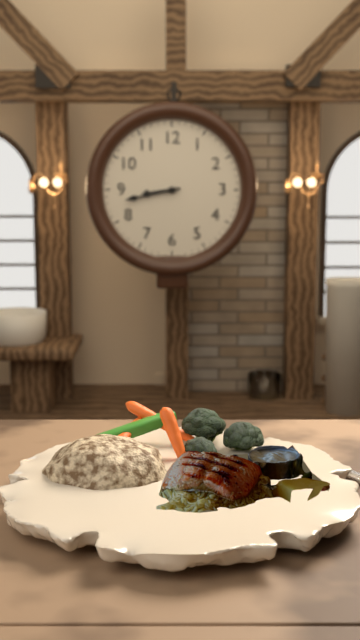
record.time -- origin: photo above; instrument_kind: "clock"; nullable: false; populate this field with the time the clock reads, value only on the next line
8:43
